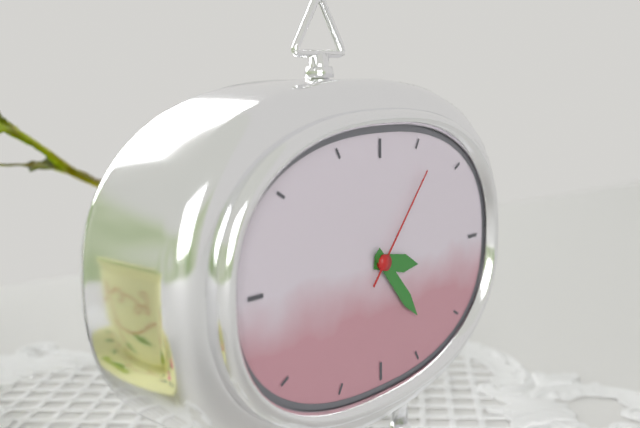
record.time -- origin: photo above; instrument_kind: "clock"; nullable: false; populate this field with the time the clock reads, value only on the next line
3:23:07
